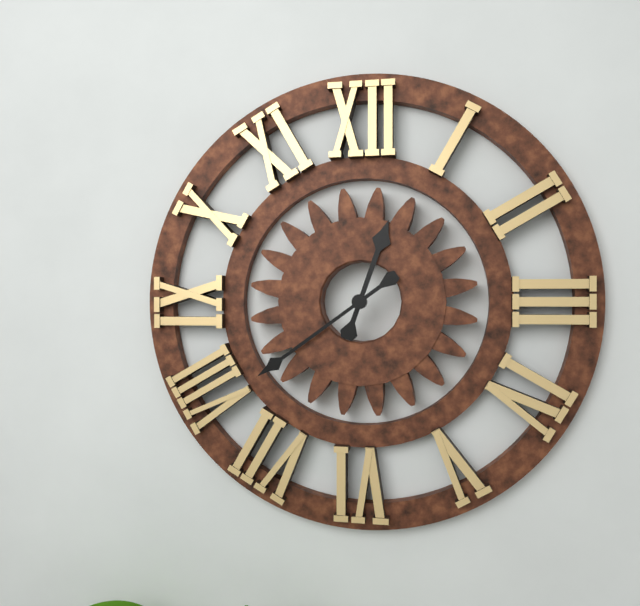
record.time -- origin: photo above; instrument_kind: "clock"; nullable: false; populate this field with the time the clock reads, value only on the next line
12:39
